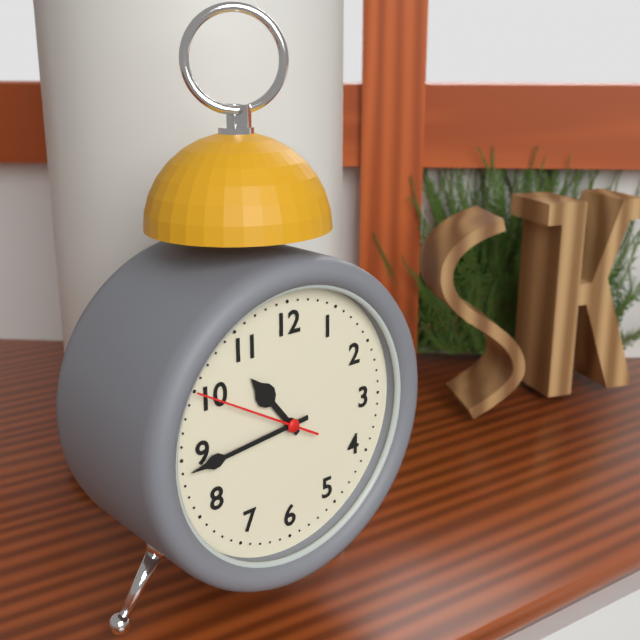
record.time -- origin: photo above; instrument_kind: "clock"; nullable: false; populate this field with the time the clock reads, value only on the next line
10:44:50
